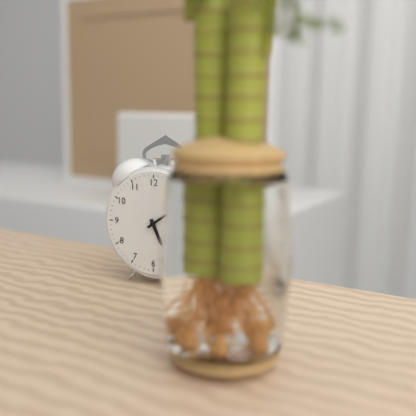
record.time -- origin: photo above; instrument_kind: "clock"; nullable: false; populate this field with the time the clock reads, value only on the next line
5:09
